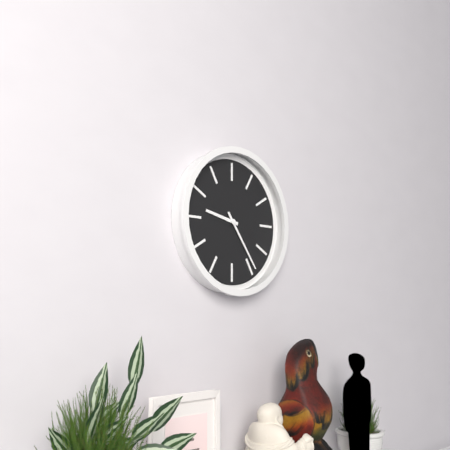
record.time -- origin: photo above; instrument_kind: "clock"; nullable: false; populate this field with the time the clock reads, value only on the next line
9:24
